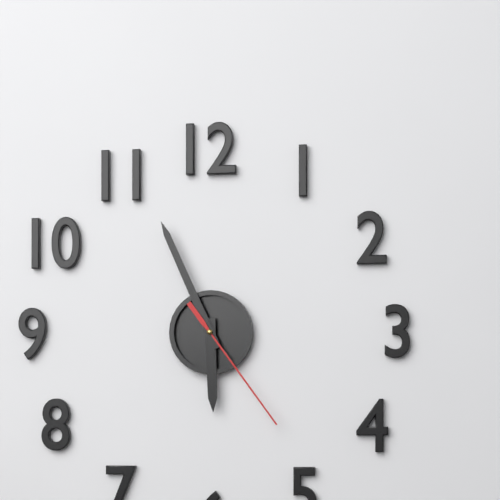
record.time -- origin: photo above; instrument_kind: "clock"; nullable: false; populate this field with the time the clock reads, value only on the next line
5:56:24
